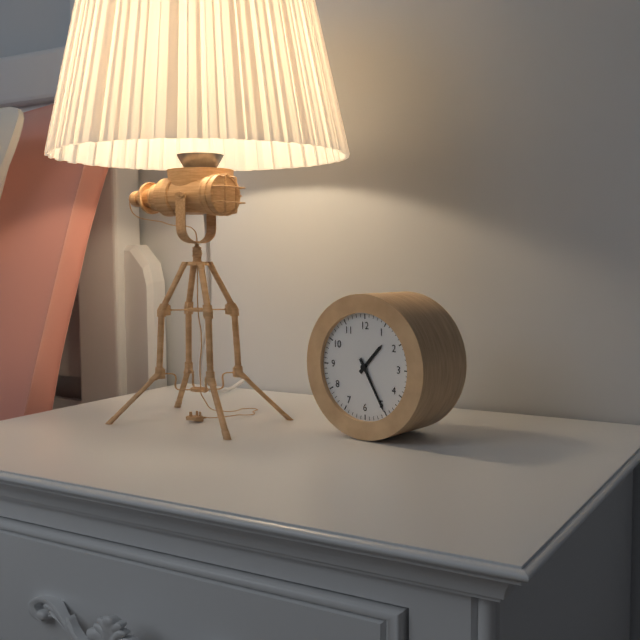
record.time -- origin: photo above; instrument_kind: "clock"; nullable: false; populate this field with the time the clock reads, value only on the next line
1:25
